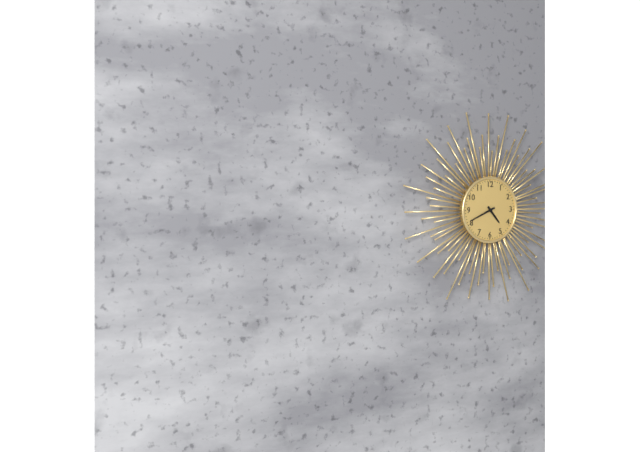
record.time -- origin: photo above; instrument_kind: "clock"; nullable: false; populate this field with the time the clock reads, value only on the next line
4:41
